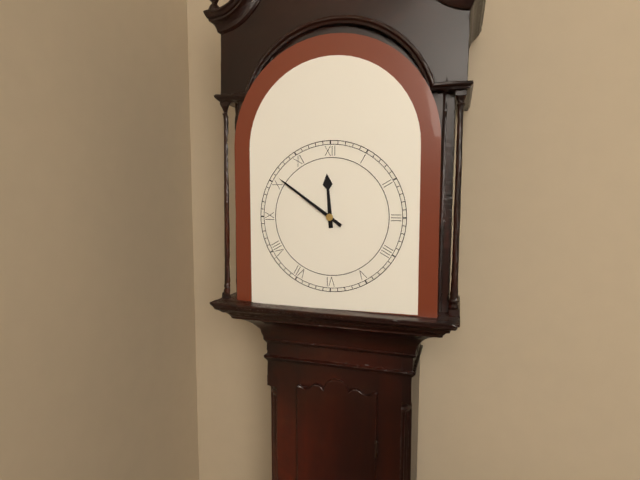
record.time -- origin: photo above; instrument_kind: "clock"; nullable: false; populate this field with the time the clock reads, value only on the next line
11:51
